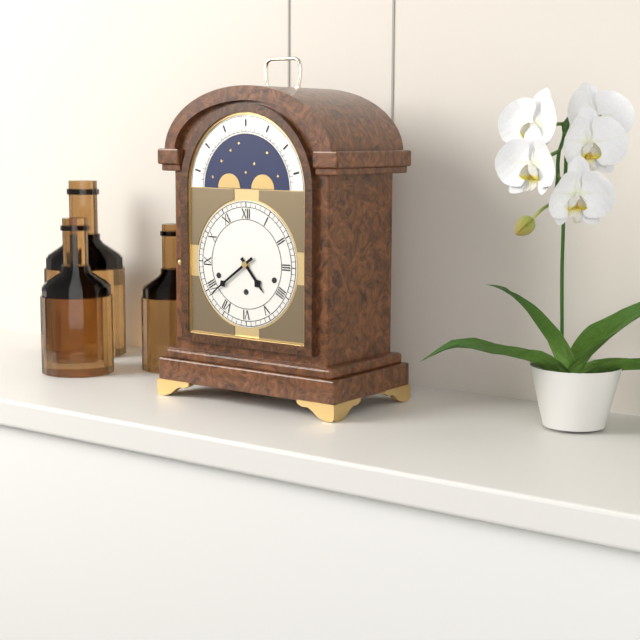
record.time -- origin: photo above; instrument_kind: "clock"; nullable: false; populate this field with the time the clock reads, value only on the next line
4:39
